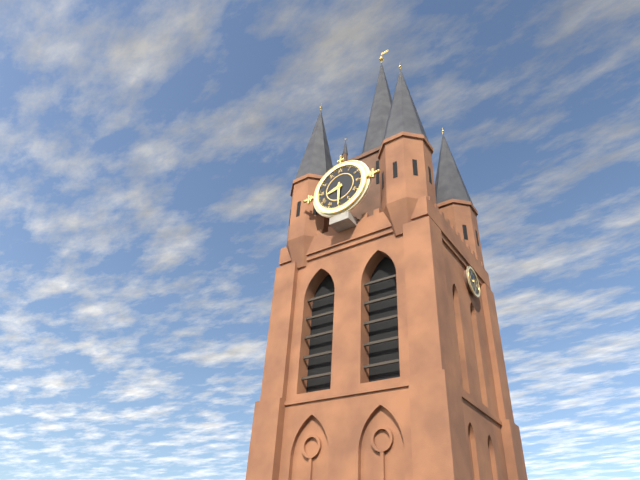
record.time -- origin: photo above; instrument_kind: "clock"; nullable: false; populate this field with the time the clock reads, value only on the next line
8:30
